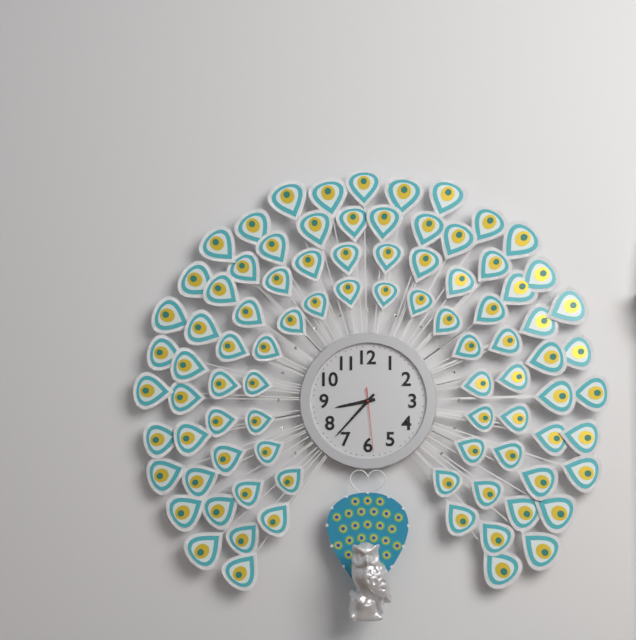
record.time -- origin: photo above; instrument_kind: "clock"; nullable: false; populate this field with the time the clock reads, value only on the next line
8:37:29
